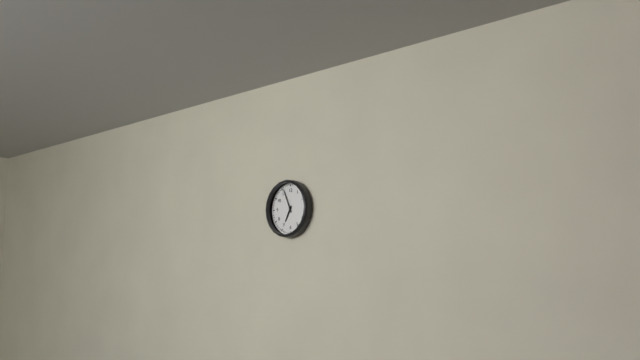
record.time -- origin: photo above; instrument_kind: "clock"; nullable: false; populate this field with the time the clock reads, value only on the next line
6:56
